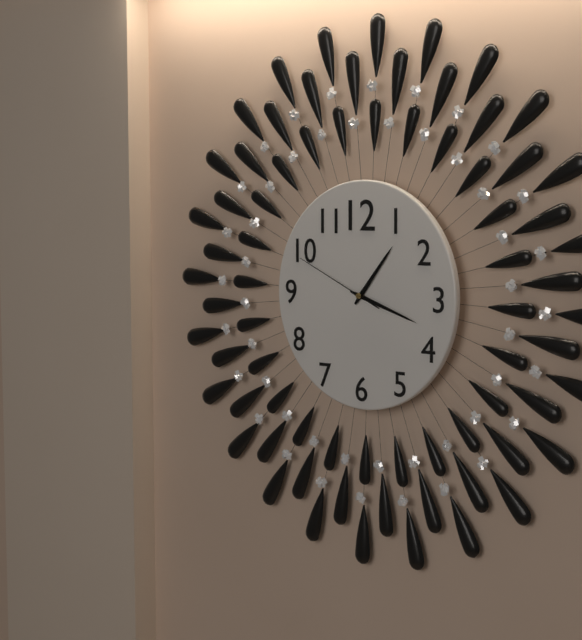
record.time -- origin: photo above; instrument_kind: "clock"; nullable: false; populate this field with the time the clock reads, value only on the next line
1:18:49
